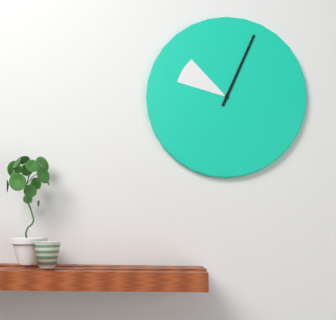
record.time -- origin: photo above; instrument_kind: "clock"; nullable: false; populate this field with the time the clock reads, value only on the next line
10:04
